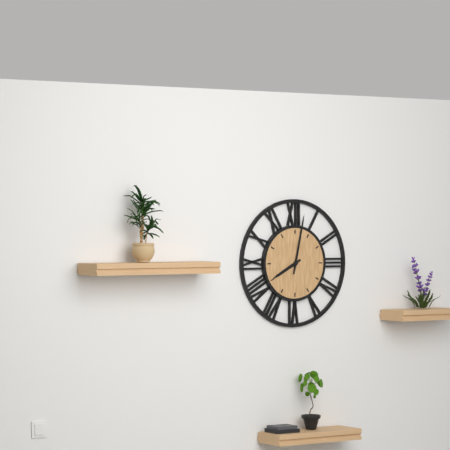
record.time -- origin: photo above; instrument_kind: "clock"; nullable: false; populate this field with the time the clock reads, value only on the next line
8:02
